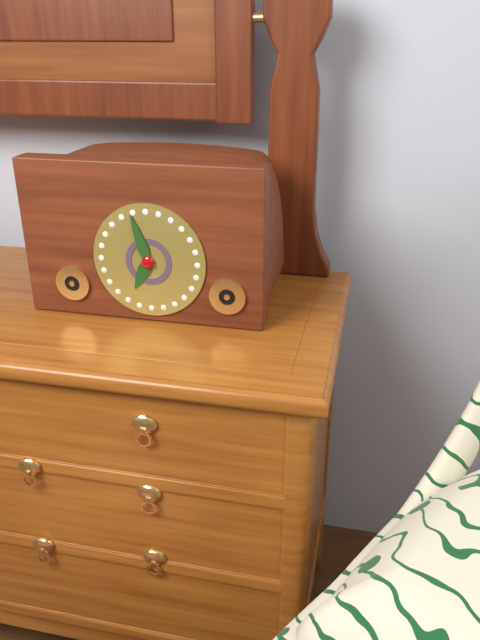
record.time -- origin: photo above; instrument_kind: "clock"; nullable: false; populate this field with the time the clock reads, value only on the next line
6:57
